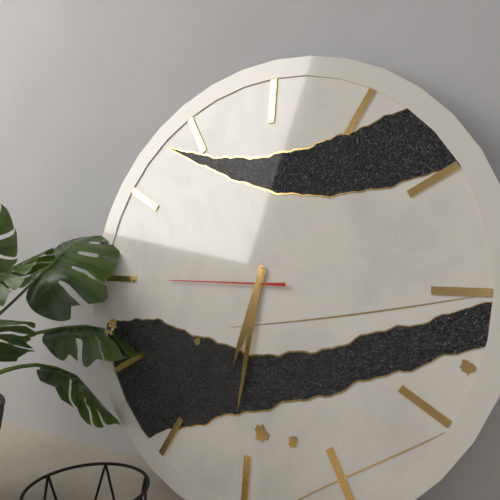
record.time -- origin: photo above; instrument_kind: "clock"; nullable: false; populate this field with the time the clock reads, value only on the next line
6:31:45
